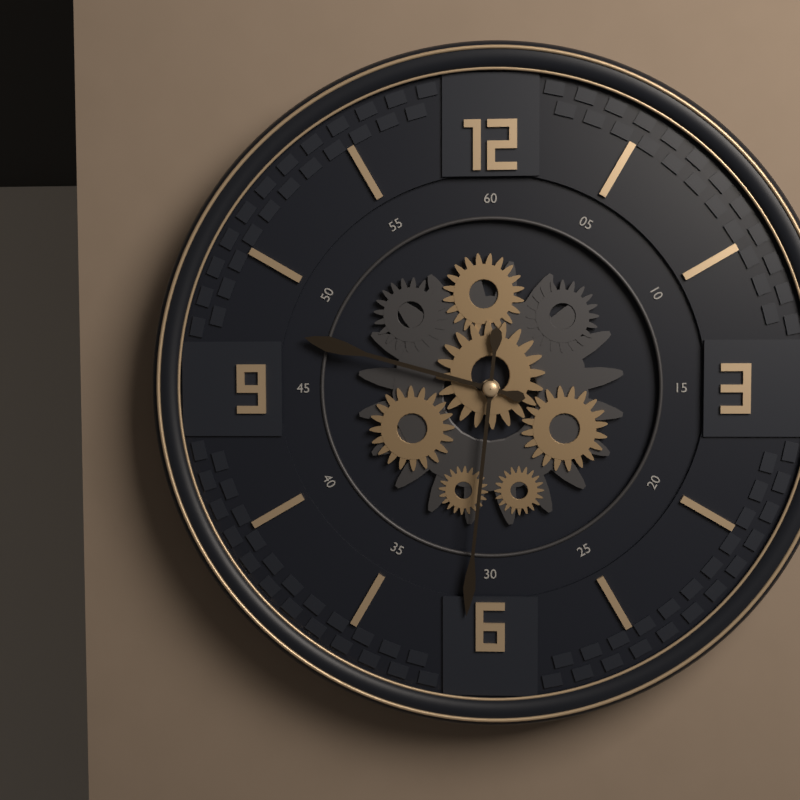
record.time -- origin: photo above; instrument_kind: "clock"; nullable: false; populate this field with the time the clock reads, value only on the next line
9:31
